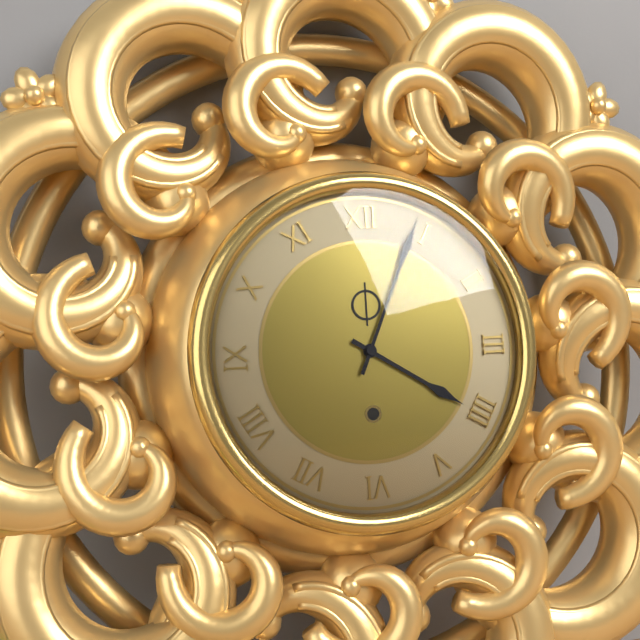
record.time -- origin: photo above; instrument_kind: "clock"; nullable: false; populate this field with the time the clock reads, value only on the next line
4:04
